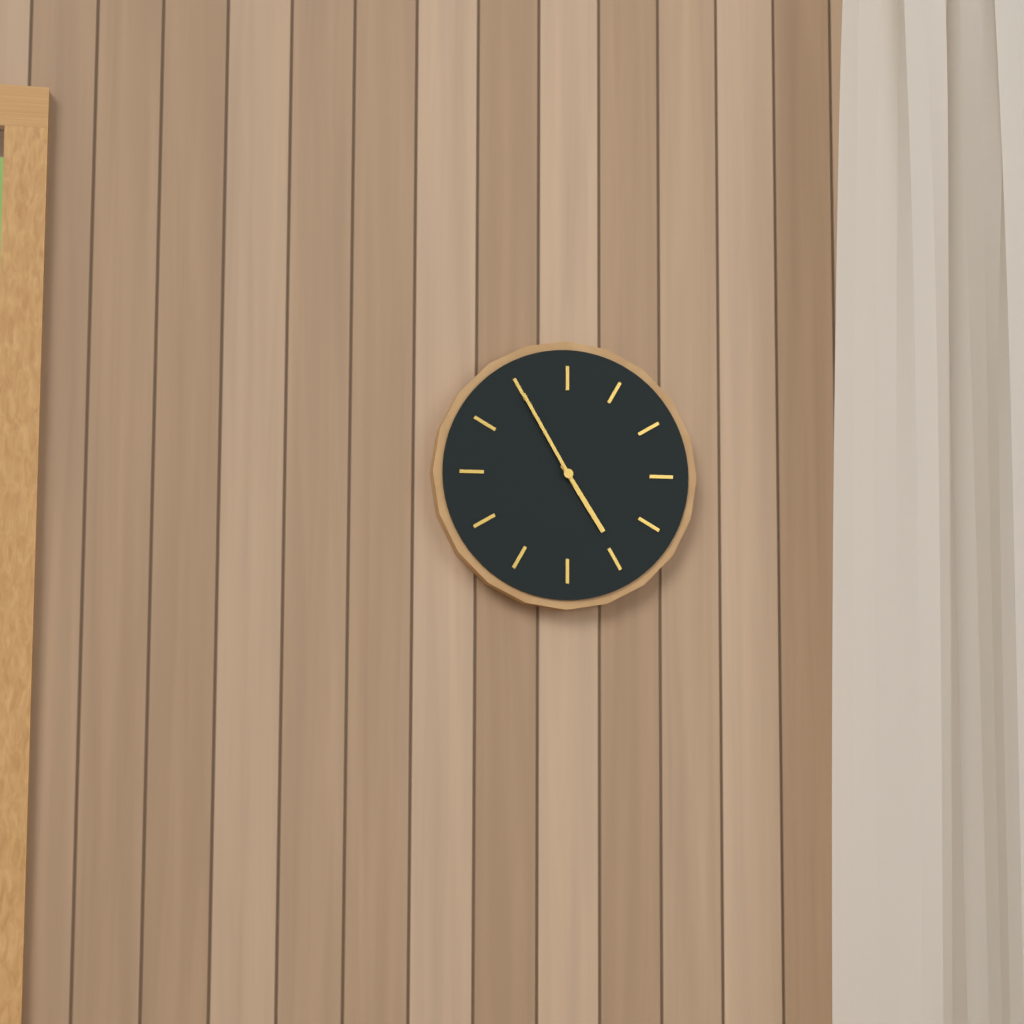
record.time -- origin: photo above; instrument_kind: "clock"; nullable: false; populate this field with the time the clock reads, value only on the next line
4:55
